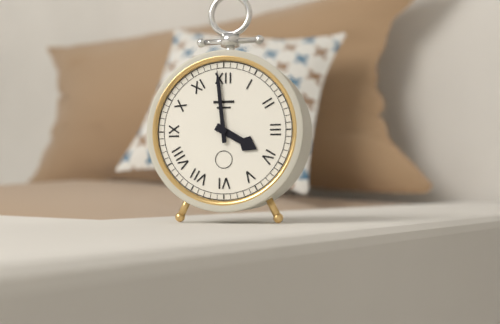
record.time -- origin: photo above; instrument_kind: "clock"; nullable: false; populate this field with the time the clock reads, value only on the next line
3:59
